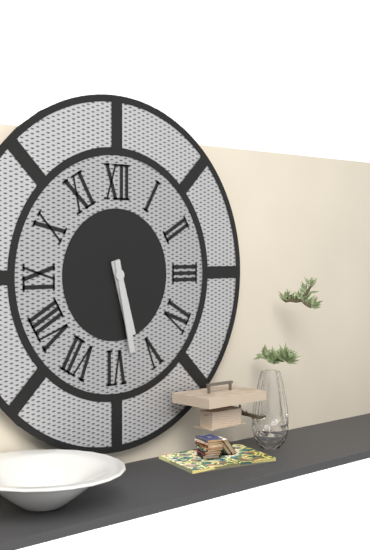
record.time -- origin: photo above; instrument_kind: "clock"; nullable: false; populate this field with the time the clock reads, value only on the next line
5:28
